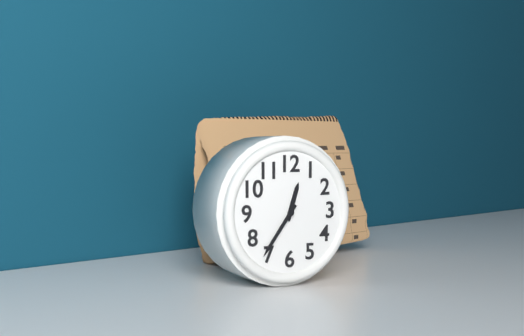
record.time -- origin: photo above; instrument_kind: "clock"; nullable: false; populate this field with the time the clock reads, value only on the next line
12:36
